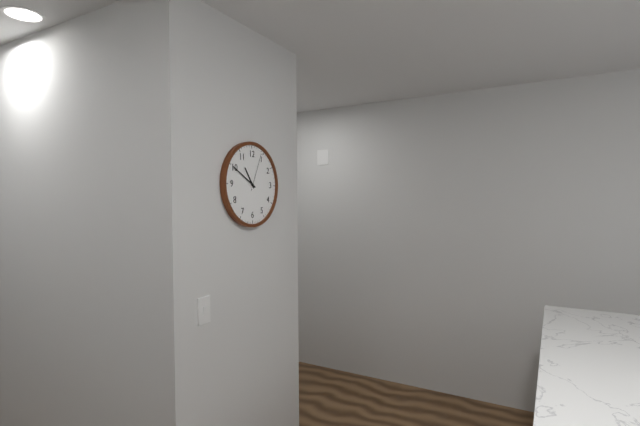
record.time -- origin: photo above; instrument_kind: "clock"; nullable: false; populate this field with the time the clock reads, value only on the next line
10:50
